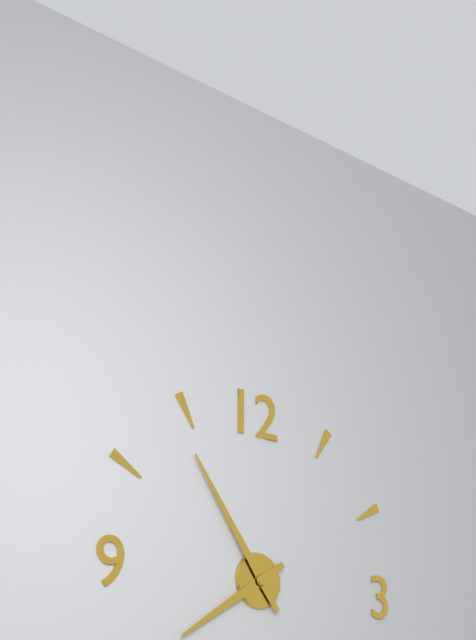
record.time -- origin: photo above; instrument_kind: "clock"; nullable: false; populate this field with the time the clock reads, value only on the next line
7:54
